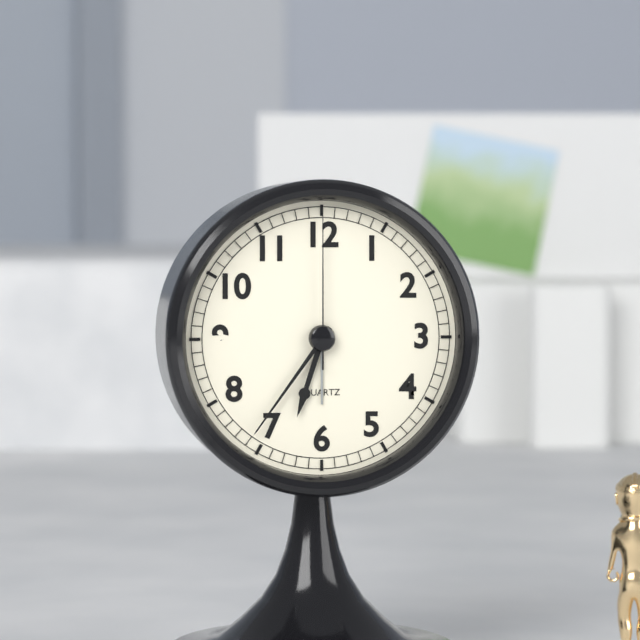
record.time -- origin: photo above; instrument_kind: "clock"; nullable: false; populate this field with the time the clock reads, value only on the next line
6:36:00
